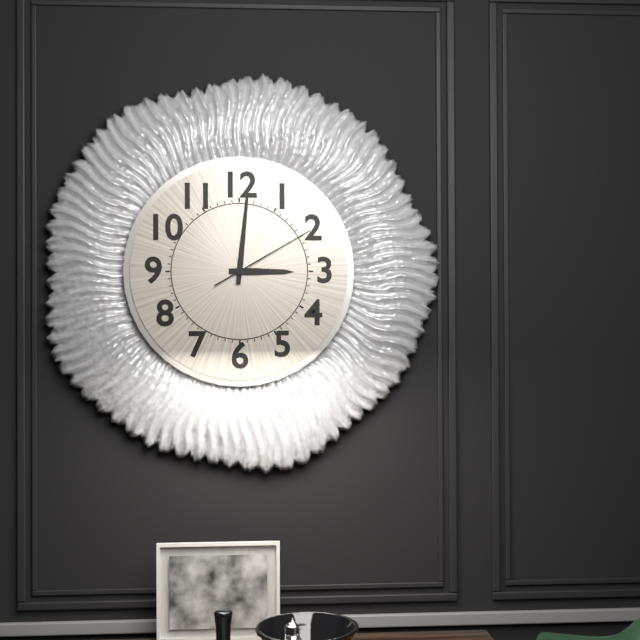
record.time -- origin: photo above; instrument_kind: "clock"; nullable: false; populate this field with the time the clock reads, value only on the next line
3:01:10
